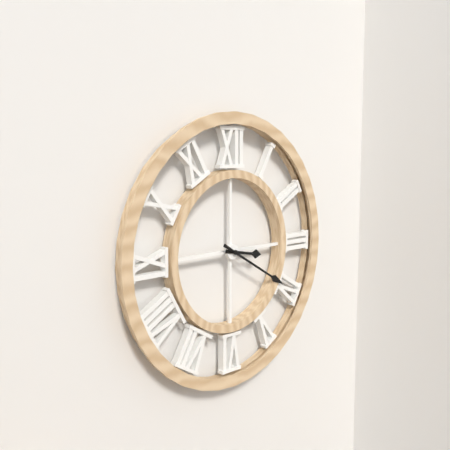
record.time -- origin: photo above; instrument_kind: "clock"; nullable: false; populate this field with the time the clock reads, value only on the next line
3:20
